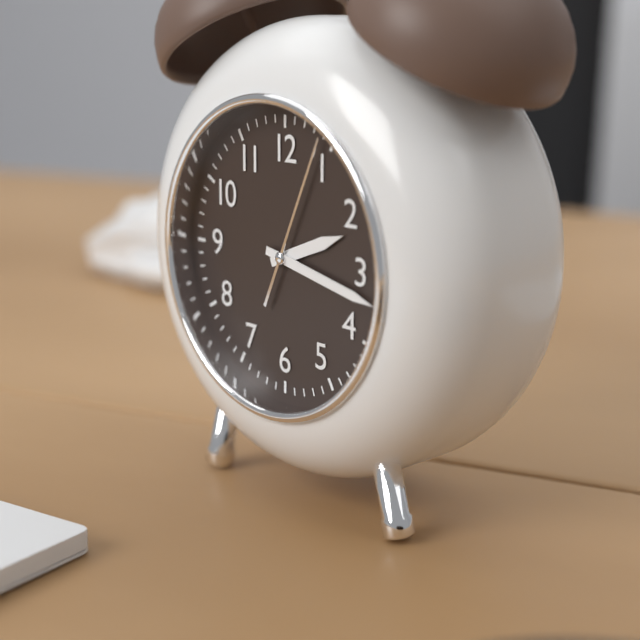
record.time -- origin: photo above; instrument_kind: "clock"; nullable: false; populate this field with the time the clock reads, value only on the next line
2:17:04
